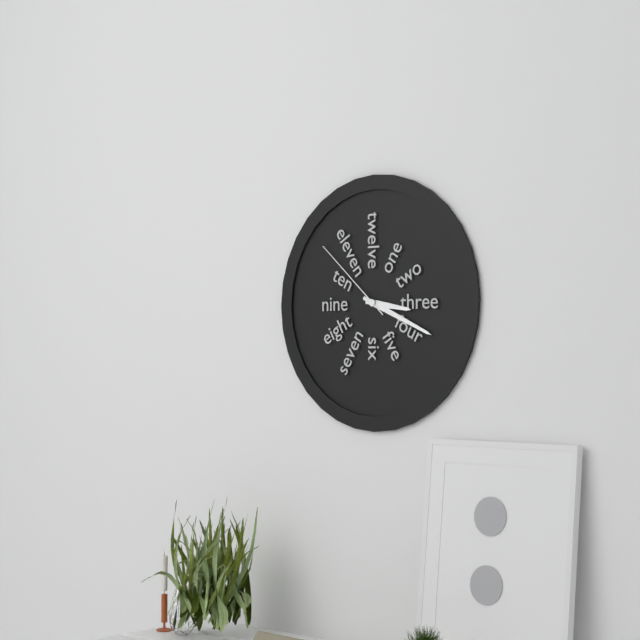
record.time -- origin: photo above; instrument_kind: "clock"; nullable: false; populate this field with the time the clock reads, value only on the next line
3:19:52
